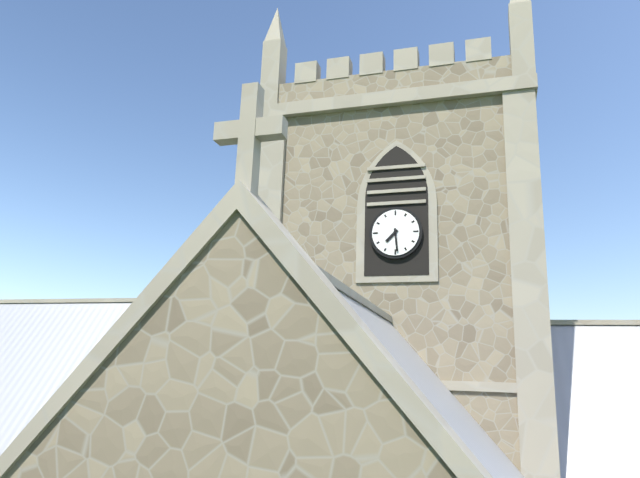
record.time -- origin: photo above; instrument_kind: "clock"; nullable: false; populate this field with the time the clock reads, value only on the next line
7:29
